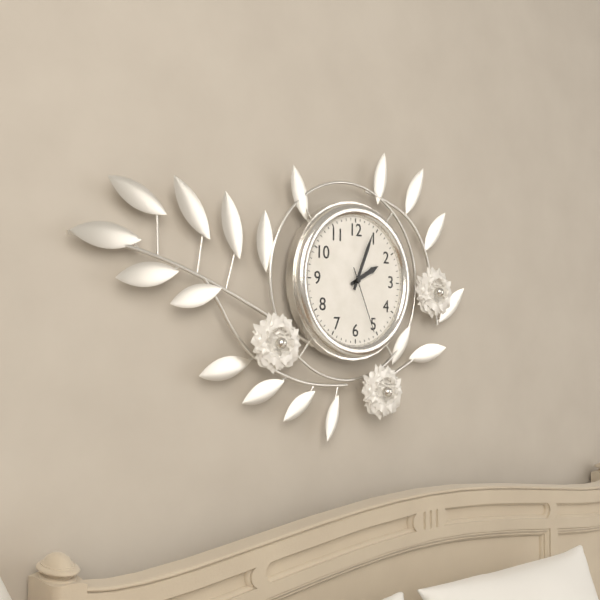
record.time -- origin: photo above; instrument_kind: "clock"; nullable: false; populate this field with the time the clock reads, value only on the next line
2:04:26
